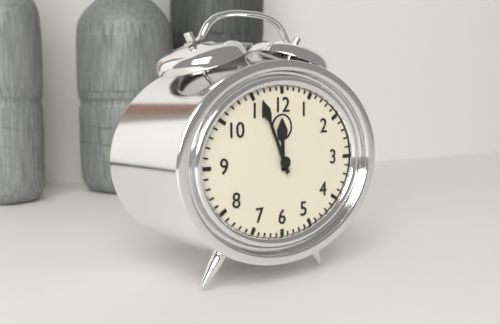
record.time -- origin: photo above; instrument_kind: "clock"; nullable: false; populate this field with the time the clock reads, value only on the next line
11:56
